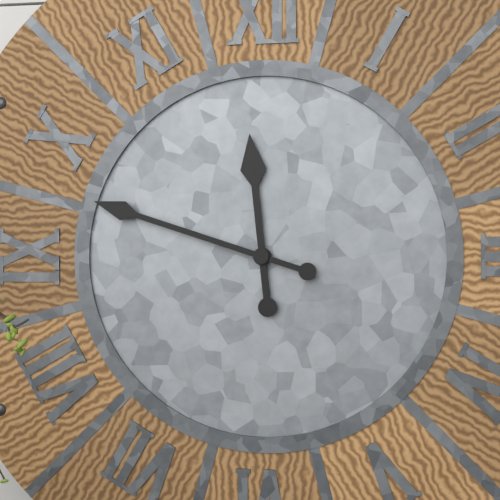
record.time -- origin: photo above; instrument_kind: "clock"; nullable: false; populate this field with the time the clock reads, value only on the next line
11:48
